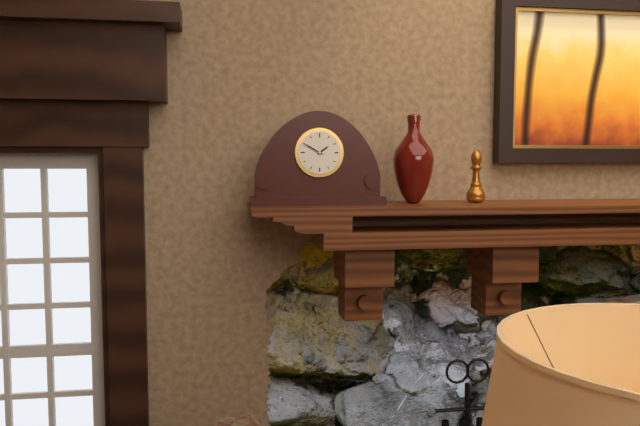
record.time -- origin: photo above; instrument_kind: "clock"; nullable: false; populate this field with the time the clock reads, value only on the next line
1:50
